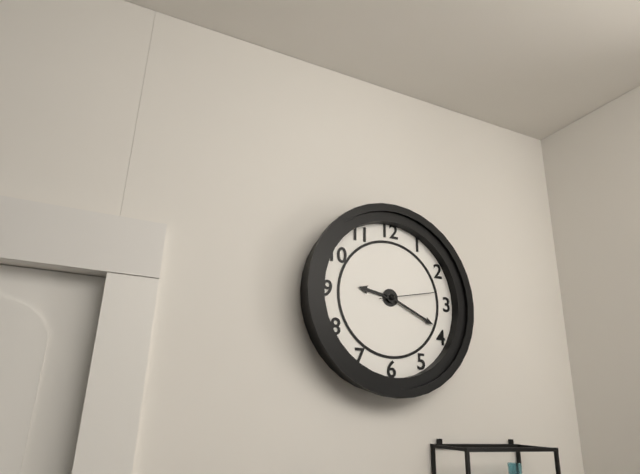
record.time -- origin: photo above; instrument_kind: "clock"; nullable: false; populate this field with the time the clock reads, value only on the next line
9:19:13
